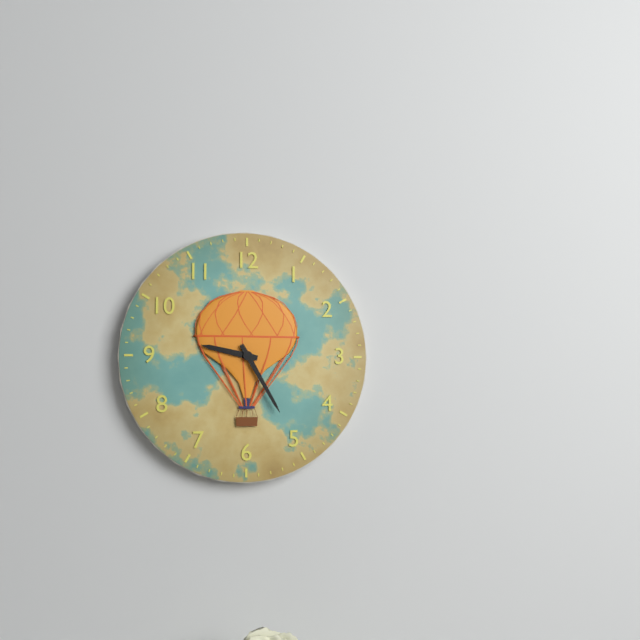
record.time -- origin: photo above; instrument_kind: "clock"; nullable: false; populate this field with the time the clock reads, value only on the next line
9:25
